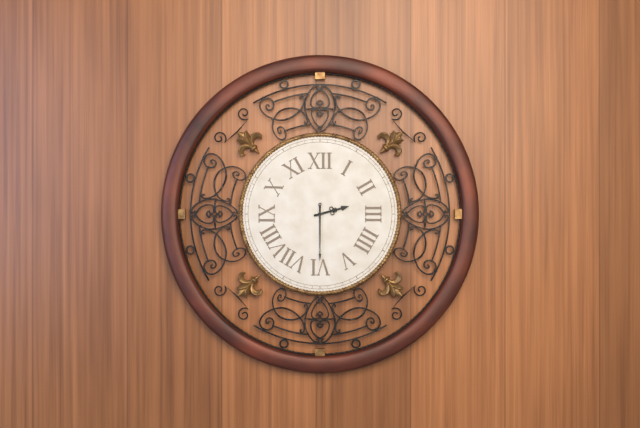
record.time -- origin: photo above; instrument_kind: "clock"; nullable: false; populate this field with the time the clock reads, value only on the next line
2:30
